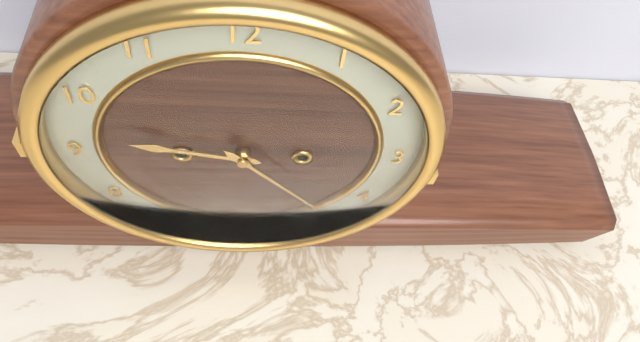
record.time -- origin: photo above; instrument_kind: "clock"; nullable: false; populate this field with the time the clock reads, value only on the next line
9:23
